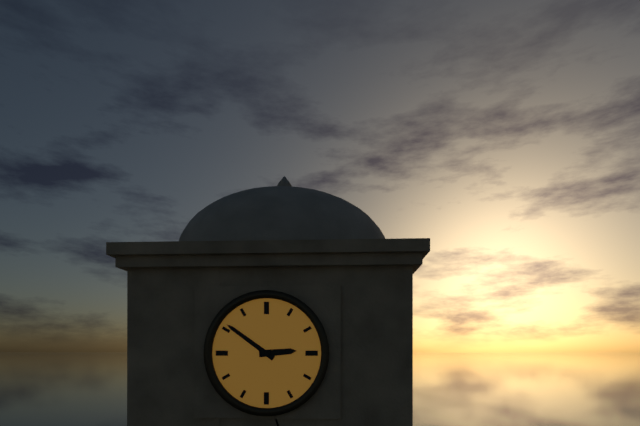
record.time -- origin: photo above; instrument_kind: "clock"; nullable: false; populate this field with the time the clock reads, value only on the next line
2:51
